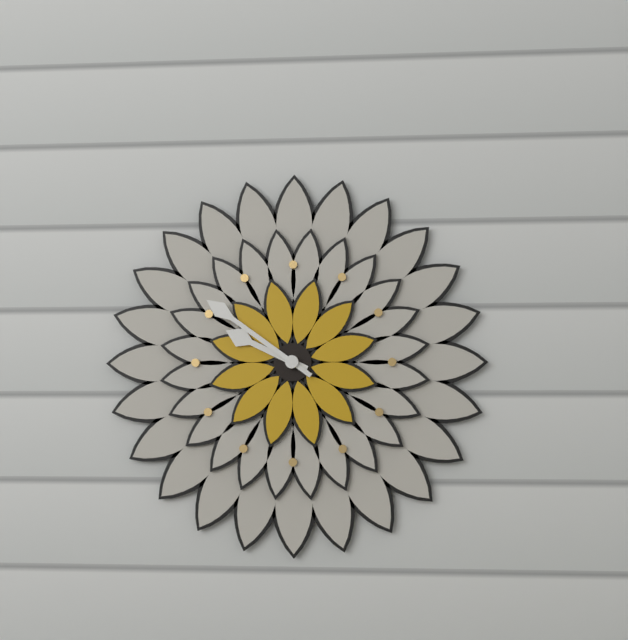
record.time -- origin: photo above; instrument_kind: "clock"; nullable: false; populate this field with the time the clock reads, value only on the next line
9:51
